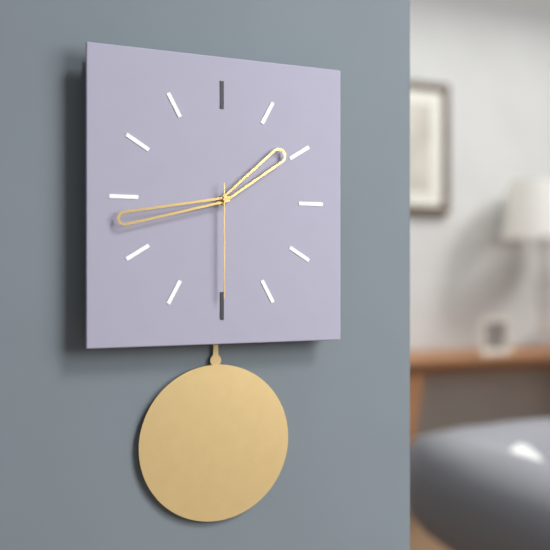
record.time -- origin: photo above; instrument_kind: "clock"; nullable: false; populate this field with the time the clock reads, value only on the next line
1:43:30
